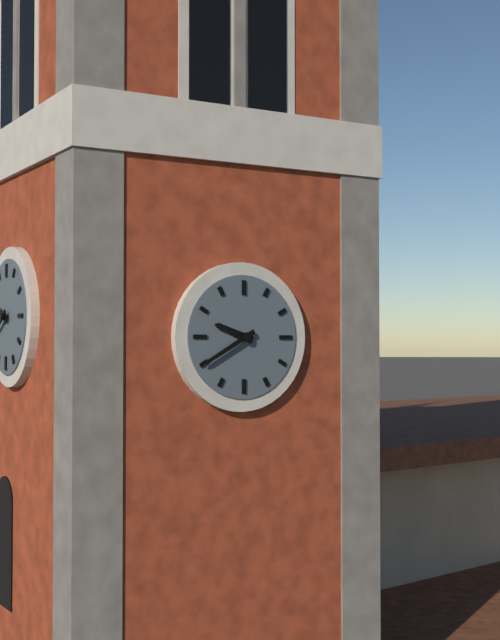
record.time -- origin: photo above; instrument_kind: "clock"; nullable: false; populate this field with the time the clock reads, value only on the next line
9:40
